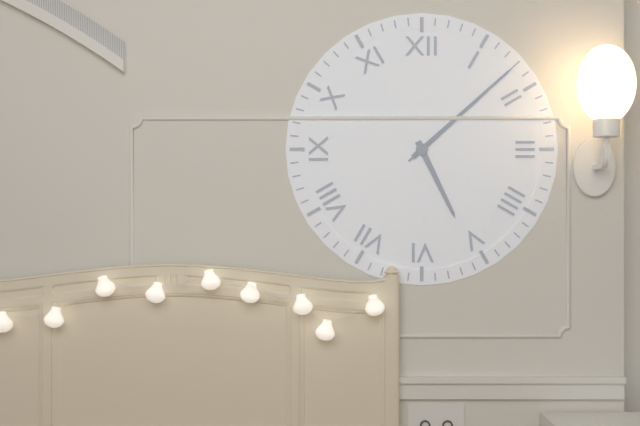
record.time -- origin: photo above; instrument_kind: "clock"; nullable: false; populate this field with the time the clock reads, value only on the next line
5:08:08
